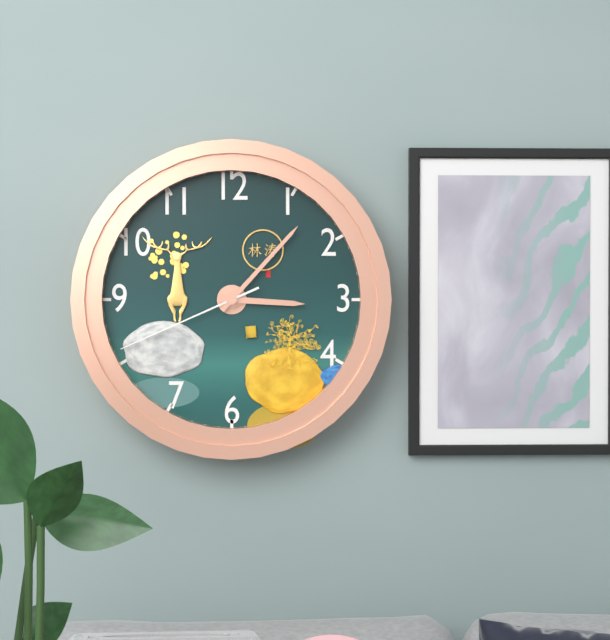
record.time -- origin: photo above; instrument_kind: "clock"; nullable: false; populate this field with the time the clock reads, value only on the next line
3:07:41
